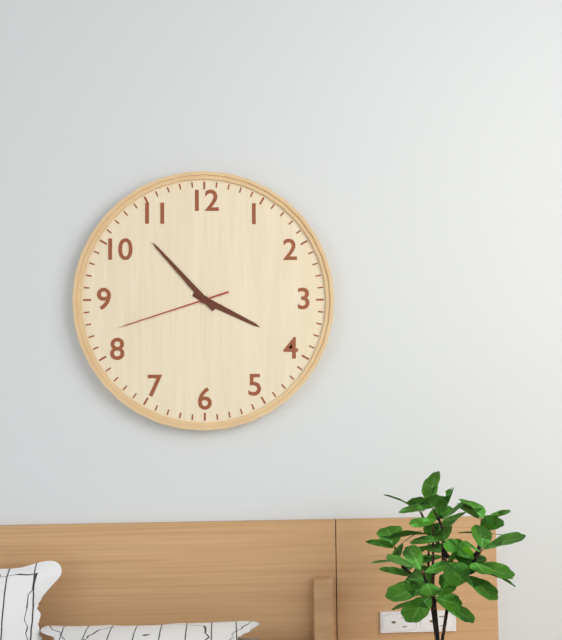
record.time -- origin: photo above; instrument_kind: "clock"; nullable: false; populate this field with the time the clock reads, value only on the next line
3:53:42
